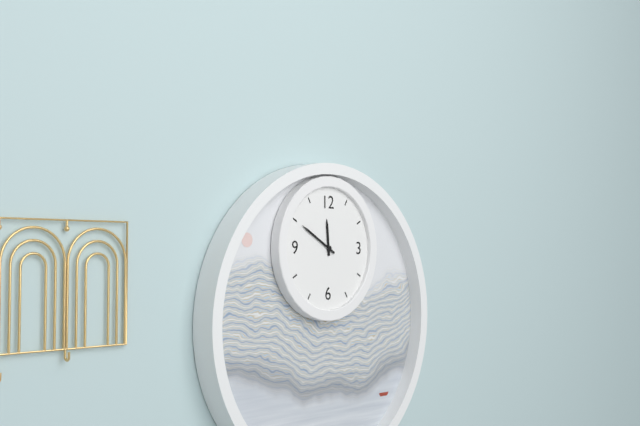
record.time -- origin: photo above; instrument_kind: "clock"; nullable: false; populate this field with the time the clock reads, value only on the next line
11:50
